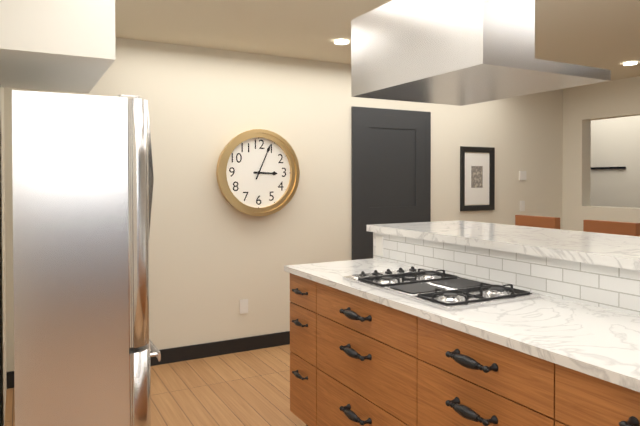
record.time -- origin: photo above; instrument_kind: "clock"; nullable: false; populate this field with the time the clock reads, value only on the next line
3:04
